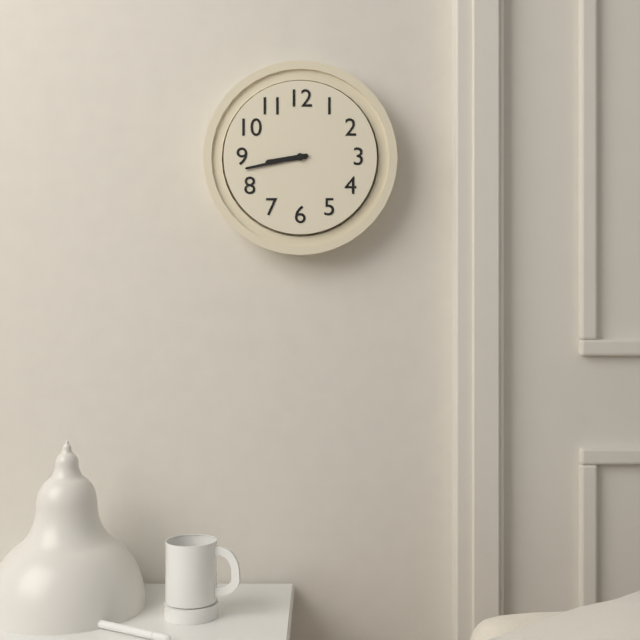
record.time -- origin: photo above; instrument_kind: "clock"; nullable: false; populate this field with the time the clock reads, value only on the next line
8:43
